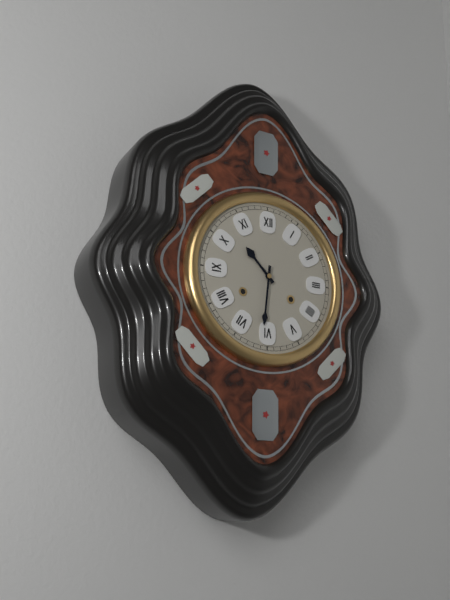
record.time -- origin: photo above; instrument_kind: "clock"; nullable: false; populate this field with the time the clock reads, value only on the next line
10:31
